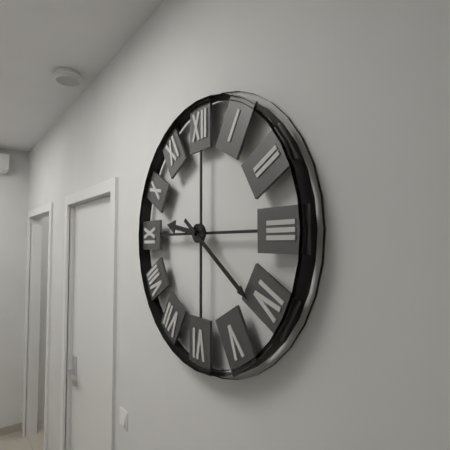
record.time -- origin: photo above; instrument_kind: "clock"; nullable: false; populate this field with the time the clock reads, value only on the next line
9:21
